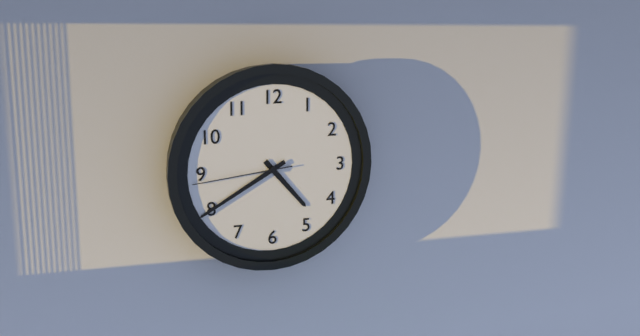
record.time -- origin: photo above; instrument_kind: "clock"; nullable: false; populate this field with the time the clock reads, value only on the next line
4:40:44
